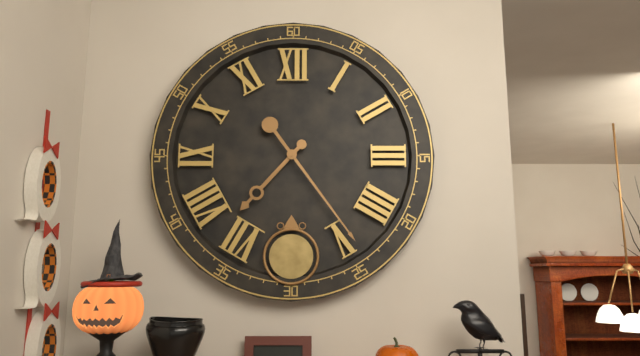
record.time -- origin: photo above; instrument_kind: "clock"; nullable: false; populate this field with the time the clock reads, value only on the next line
7:24
